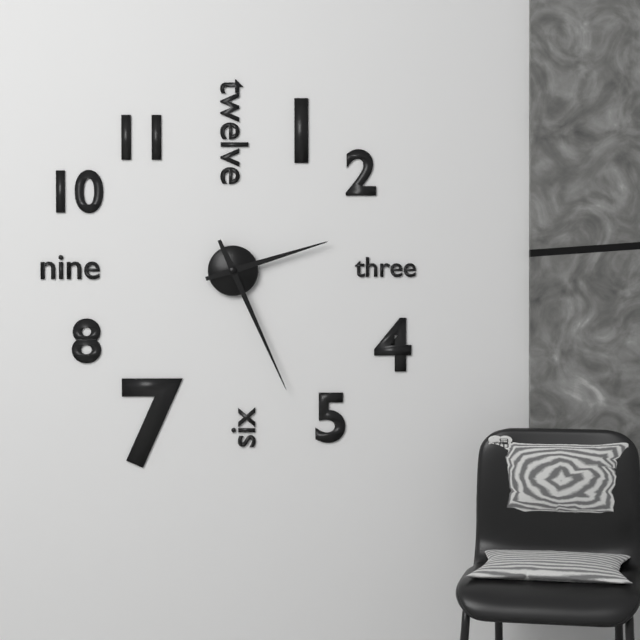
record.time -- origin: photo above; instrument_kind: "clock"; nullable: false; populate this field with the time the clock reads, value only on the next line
2:26
